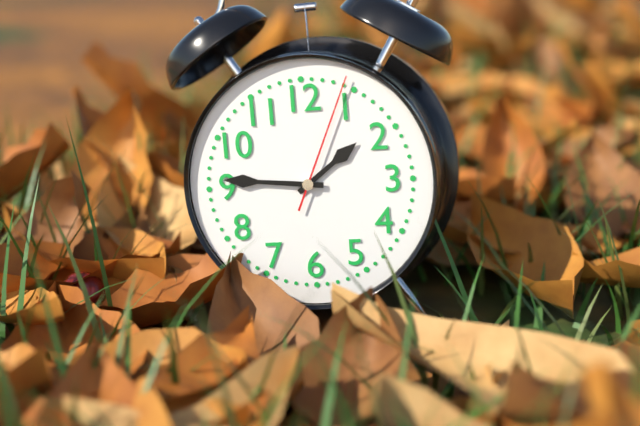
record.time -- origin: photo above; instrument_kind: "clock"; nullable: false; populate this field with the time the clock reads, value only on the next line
1:46:04
